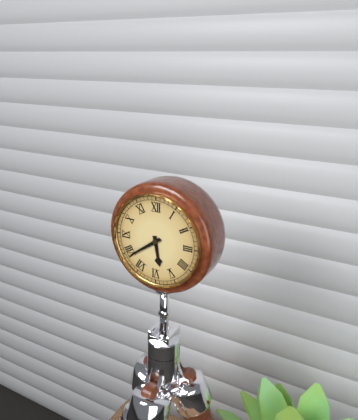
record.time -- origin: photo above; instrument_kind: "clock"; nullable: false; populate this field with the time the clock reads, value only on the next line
5:39
